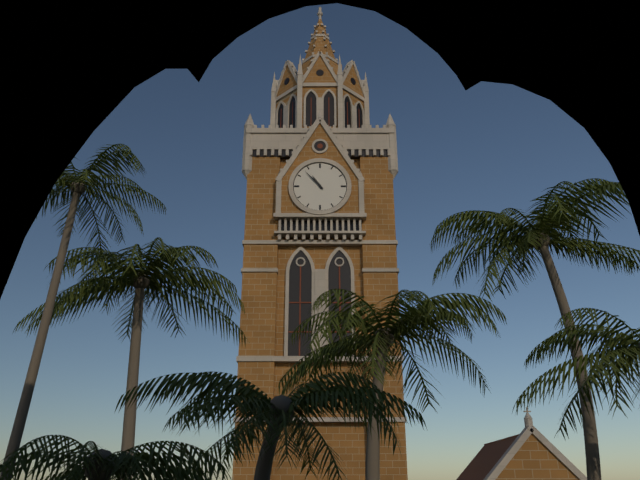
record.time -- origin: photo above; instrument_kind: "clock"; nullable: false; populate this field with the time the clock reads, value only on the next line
10:53
